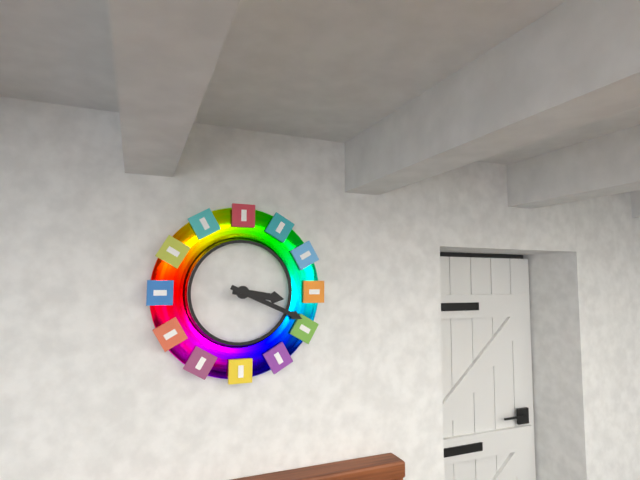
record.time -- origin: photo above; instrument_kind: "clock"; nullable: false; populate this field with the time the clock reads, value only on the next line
3:19
